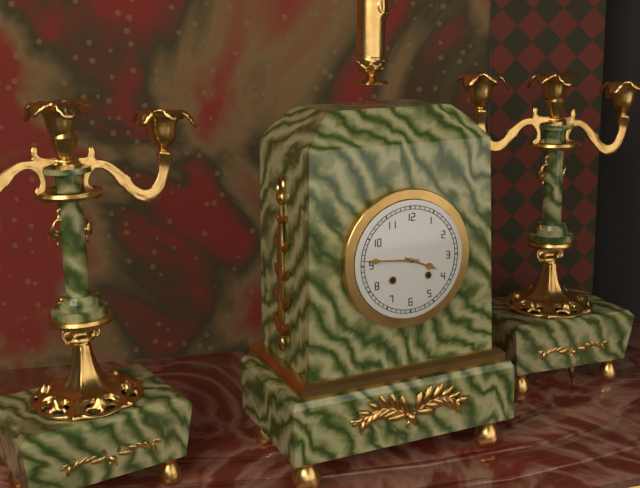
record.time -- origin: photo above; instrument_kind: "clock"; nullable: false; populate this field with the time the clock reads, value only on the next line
3:46
